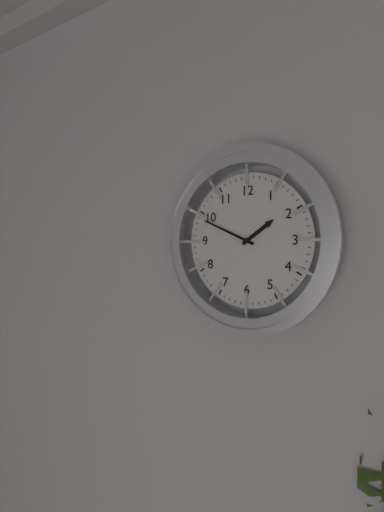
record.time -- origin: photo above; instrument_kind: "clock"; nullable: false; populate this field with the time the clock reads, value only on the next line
1:49
